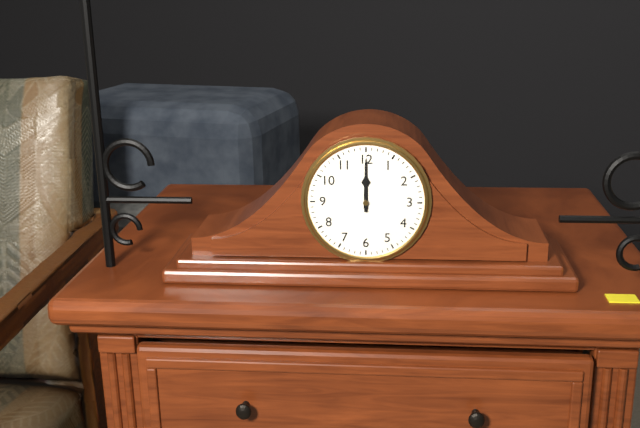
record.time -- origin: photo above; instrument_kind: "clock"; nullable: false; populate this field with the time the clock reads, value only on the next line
12:00
